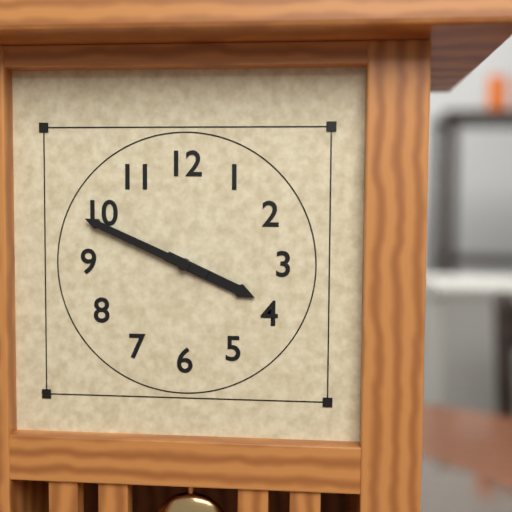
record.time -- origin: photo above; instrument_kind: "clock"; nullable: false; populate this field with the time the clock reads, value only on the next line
3:49
